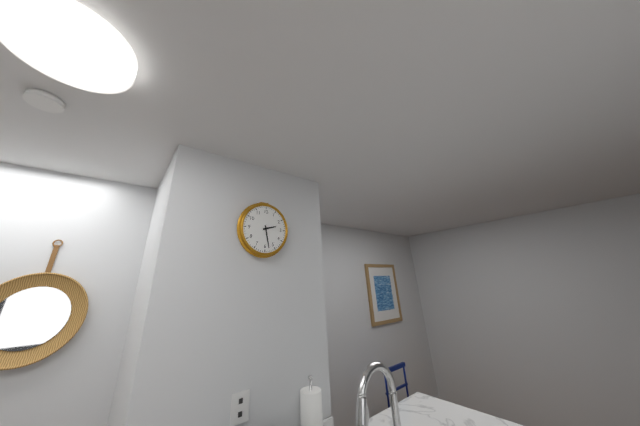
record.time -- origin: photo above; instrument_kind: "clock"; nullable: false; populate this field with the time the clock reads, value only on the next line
2:28
